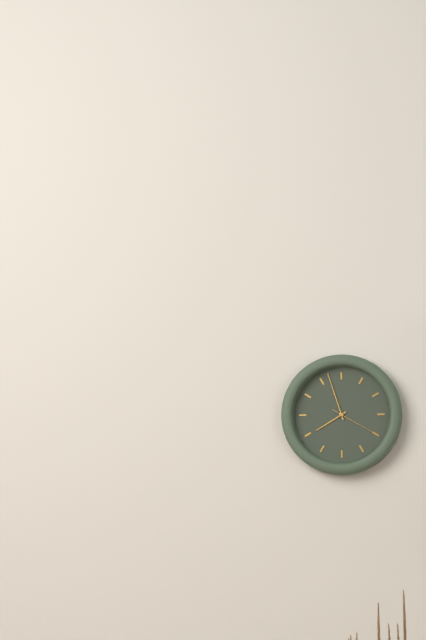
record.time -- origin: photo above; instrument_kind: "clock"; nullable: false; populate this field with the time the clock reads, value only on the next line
7:57:20
